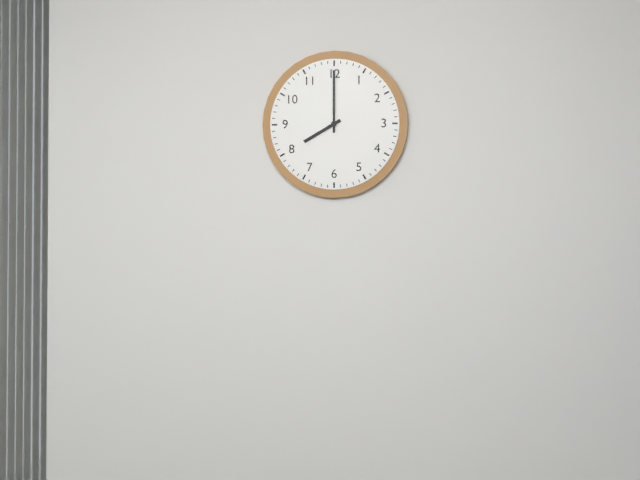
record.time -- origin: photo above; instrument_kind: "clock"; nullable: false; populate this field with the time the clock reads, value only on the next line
8:00
